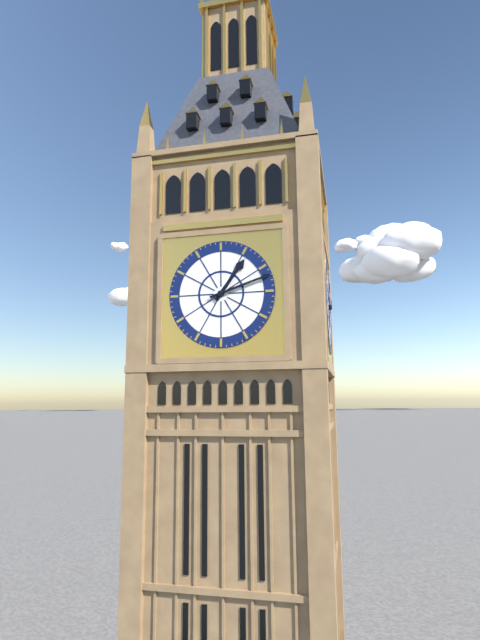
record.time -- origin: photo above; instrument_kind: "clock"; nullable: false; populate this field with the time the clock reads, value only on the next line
1:12
